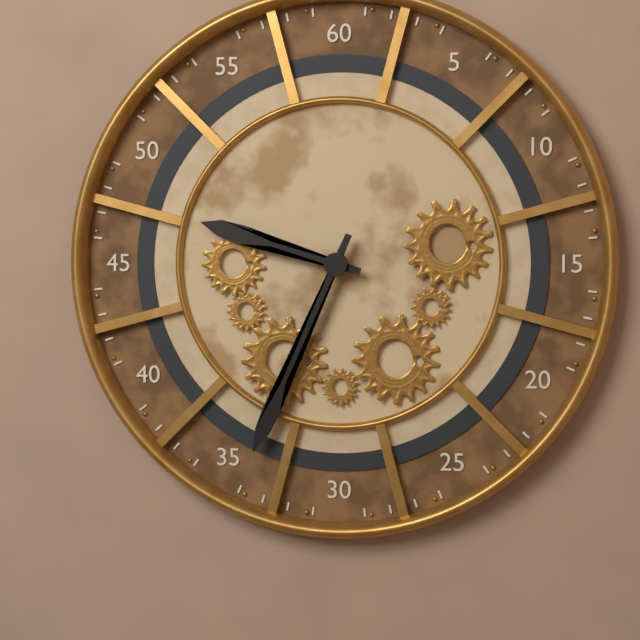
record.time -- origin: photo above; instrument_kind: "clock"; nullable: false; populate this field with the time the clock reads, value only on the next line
9:34
